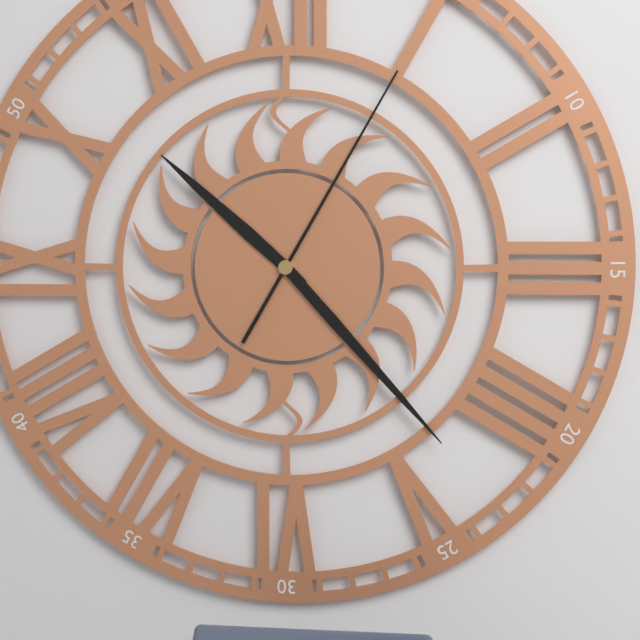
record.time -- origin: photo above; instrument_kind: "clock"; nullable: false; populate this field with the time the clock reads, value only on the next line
10:23:05
